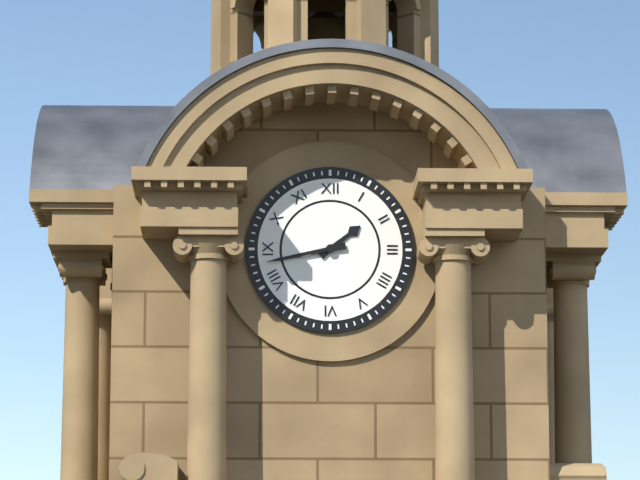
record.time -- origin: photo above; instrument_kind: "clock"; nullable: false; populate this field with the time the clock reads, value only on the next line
1:43
